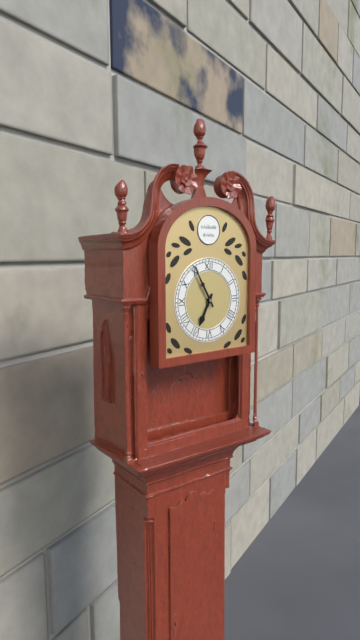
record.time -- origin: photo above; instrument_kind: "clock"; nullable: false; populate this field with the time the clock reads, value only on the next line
6:55
